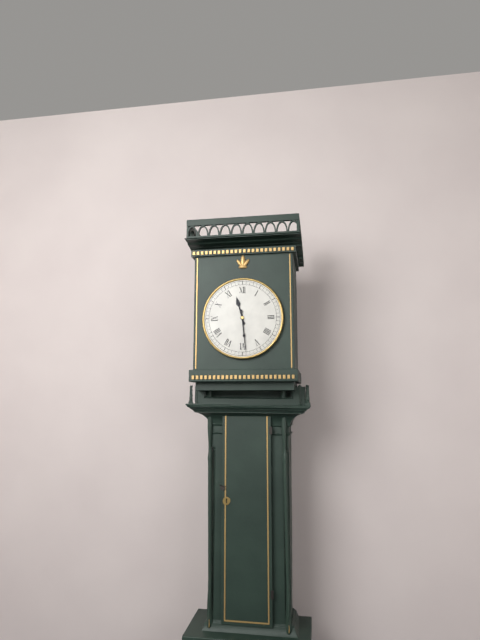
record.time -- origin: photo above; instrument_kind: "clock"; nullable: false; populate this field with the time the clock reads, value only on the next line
11:29
